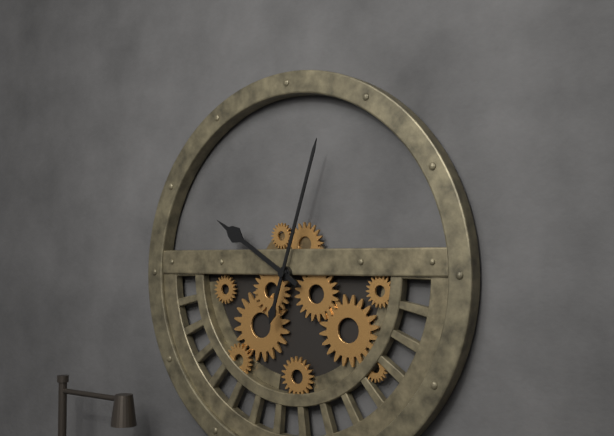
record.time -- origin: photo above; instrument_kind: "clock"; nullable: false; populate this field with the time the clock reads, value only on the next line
10:03
